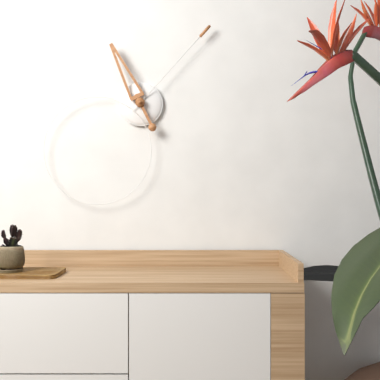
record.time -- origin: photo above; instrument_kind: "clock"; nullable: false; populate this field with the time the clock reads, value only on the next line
11:07
